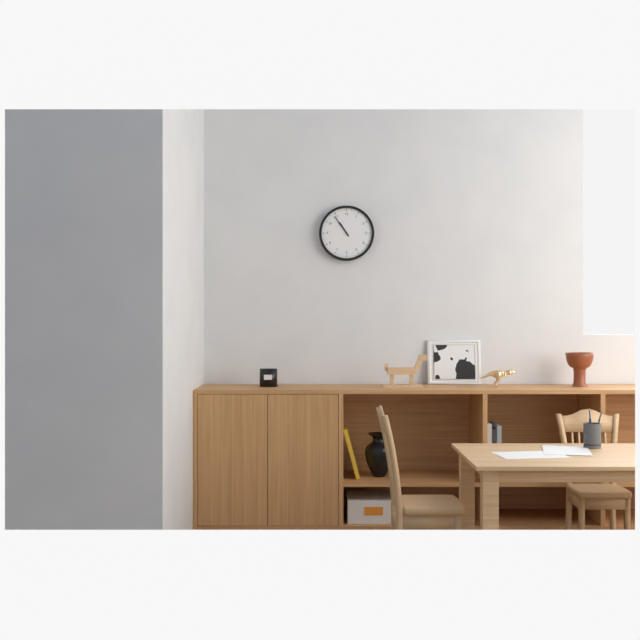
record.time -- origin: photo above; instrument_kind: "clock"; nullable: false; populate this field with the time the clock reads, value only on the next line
10:54
